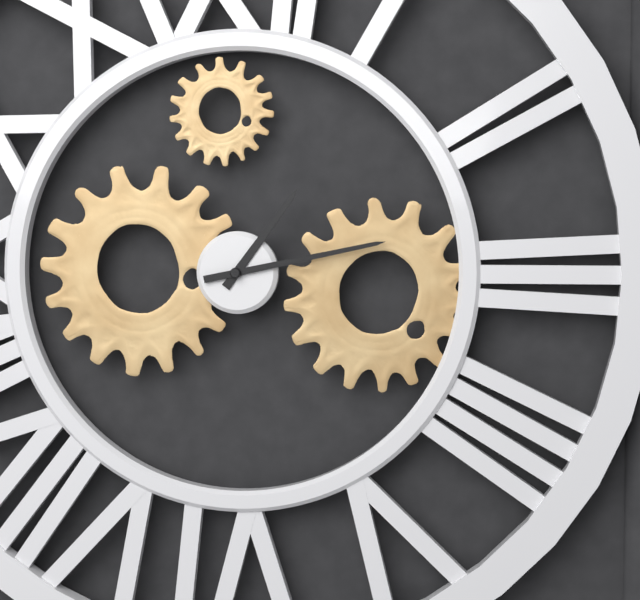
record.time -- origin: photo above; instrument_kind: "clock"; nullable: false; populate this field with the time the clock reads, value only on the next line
1:13
